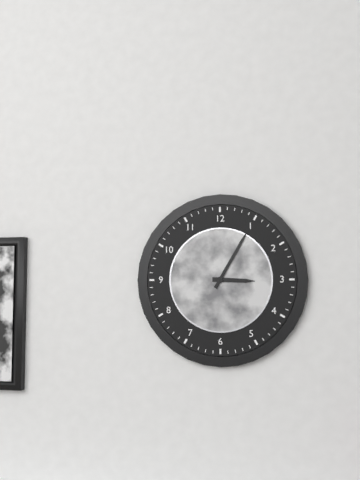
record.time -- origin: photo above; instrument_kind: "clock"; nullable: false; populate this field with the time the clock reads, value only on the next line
3:05
